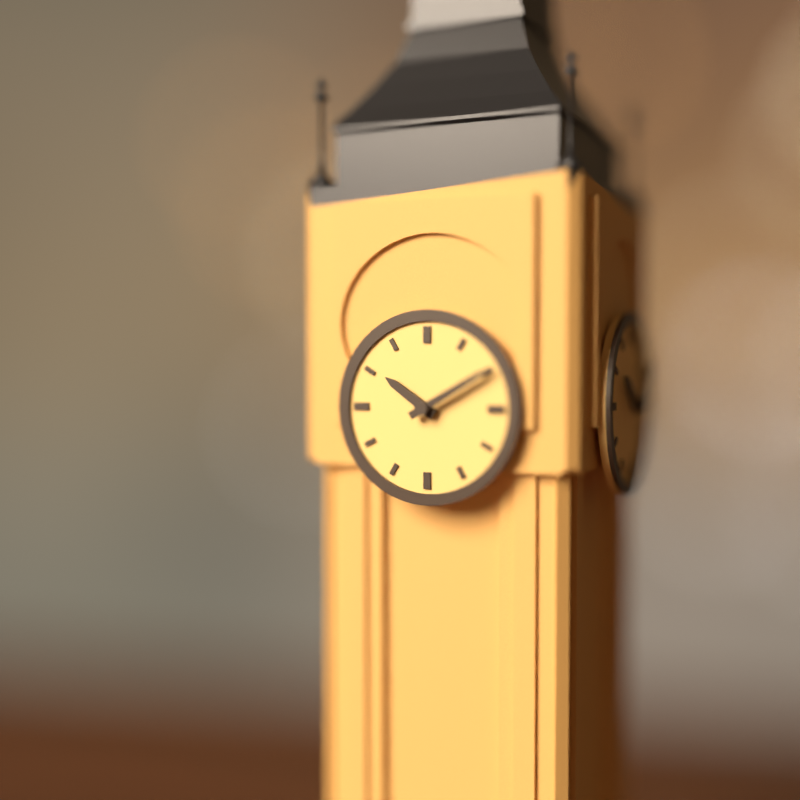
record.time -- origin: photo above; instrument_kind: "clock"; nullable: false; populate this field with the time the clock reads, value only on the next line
10:10
